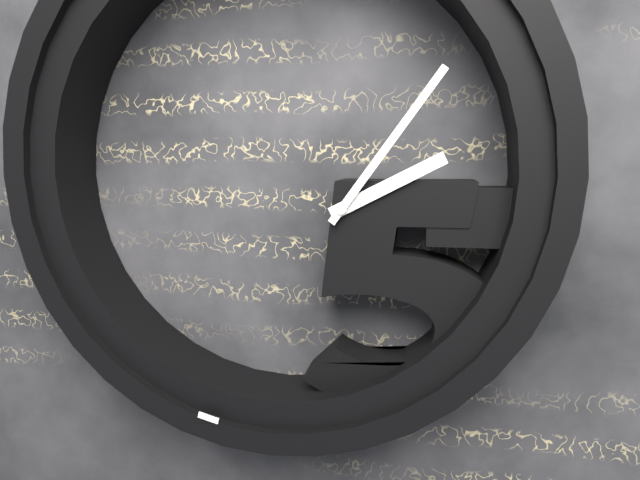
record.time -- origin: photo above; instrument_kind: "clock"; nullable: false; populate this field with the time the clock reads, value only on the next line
2:06
